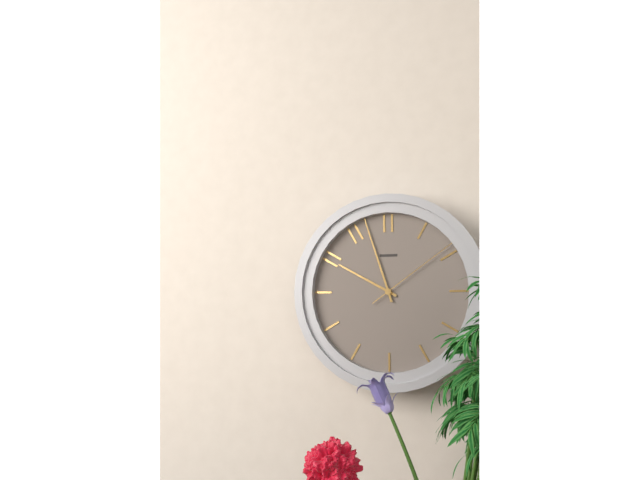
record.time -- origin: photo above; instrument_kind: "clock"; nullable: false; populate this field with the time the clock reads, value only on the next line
9:57:09
